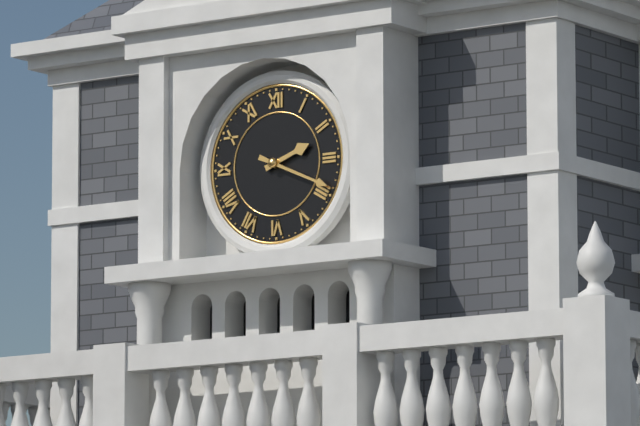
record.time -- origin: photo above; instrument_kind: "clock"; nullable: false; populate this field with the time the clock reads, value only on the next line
2:19
